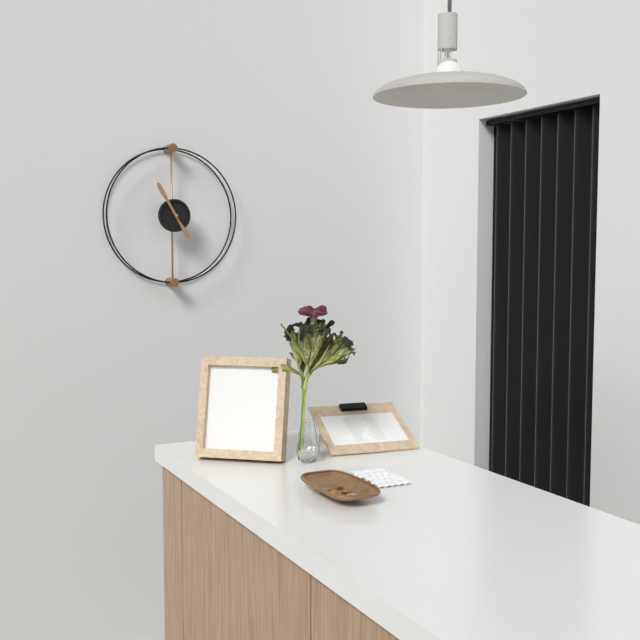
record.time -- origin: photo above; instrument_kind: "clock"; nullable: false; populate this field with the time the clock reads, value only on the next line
4:55
